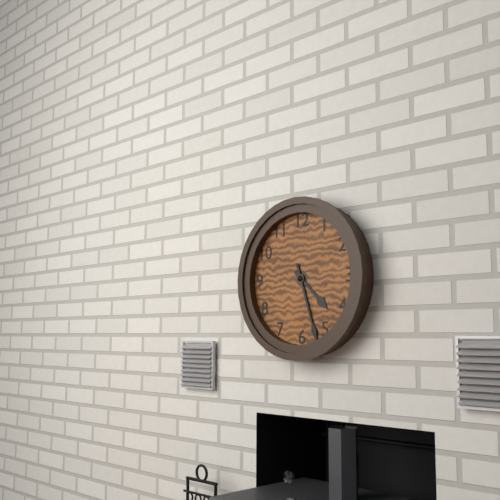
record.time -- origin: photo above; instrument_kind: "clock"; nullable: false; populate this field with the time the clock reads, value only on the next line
4:27
